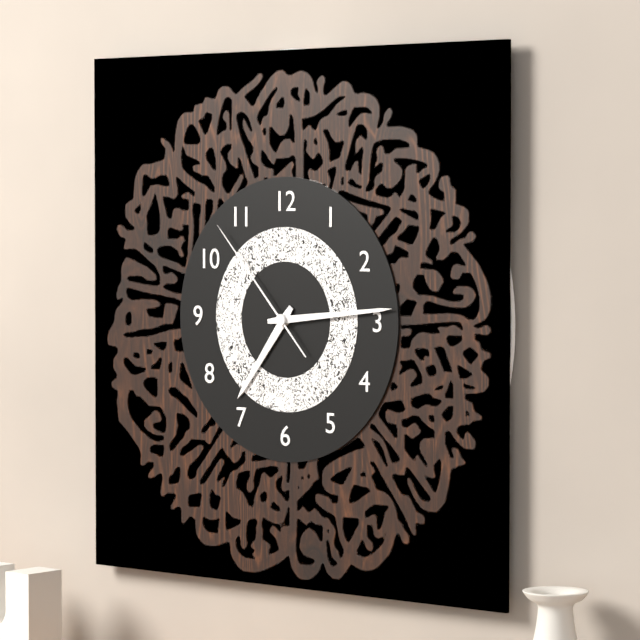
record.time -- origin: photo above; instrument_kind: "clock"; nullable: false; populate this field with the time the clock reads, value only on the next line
7:14:53
